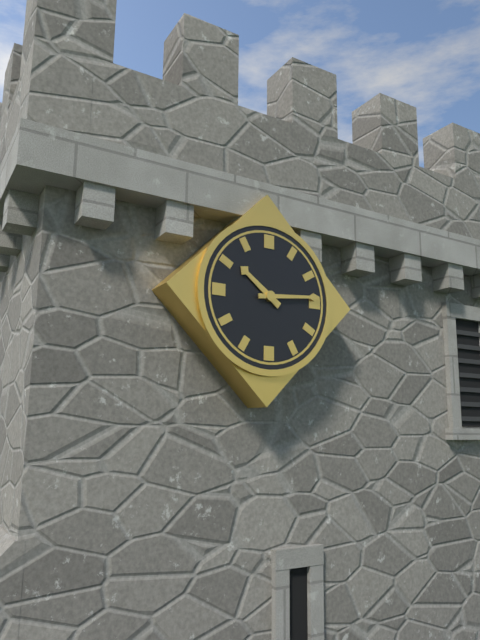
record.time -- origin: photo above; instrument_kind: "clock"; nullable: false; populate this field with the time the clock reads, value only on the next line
10:14
